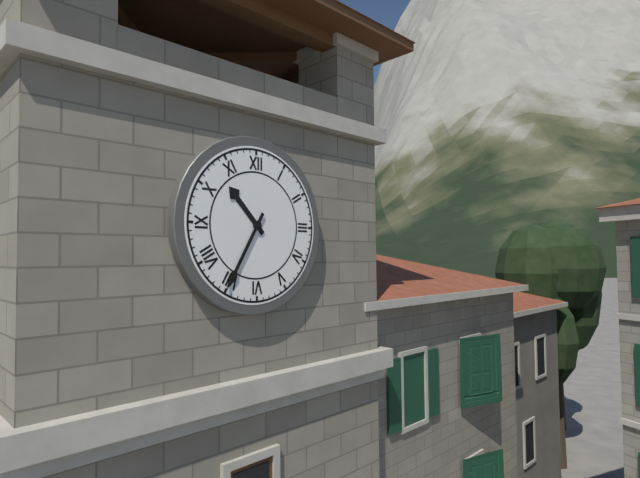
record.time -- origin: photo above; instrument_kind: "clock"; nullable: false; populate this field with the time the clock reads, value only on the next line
10:35
